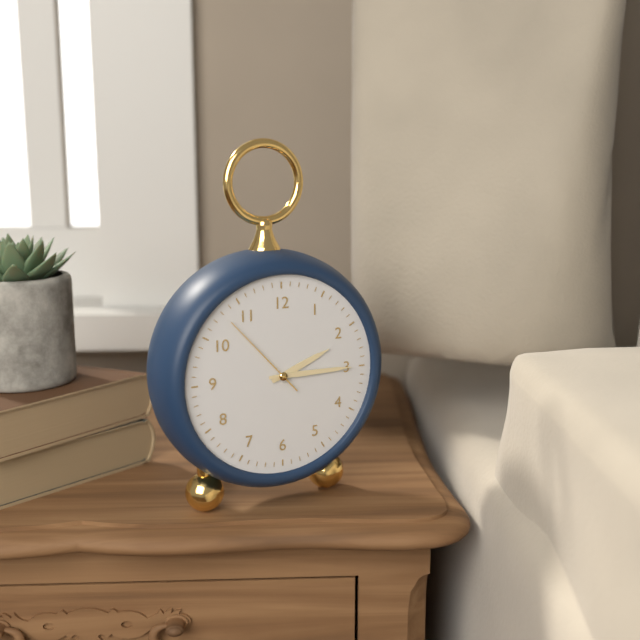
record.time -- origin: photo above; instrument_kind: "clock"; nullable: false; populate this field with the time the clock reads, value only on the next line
2:15:53
